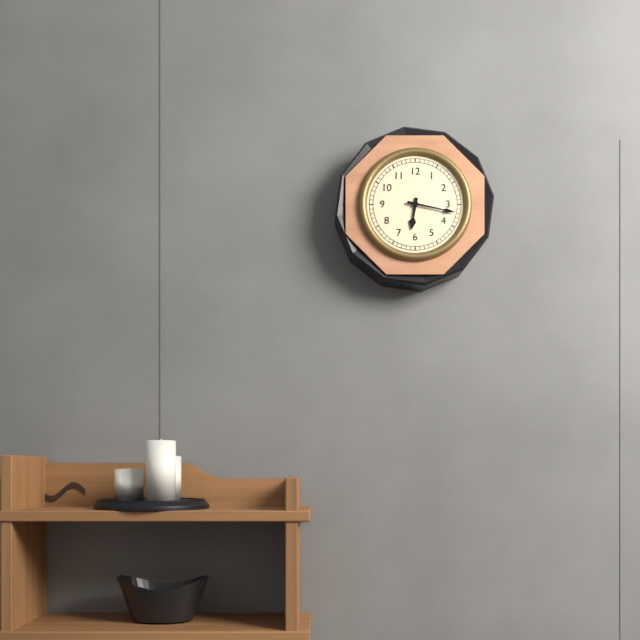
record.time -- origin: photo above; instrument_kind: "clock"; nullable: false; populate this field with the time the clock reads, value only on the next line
6:17
